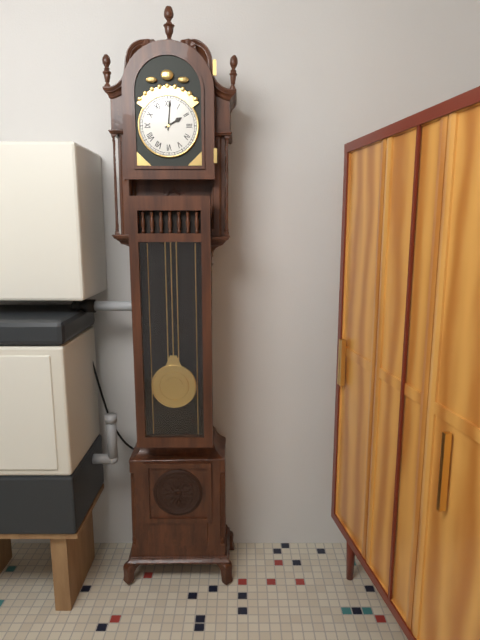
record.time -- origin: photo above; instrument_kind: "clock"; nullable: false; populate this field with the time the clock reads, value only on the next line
2:01
